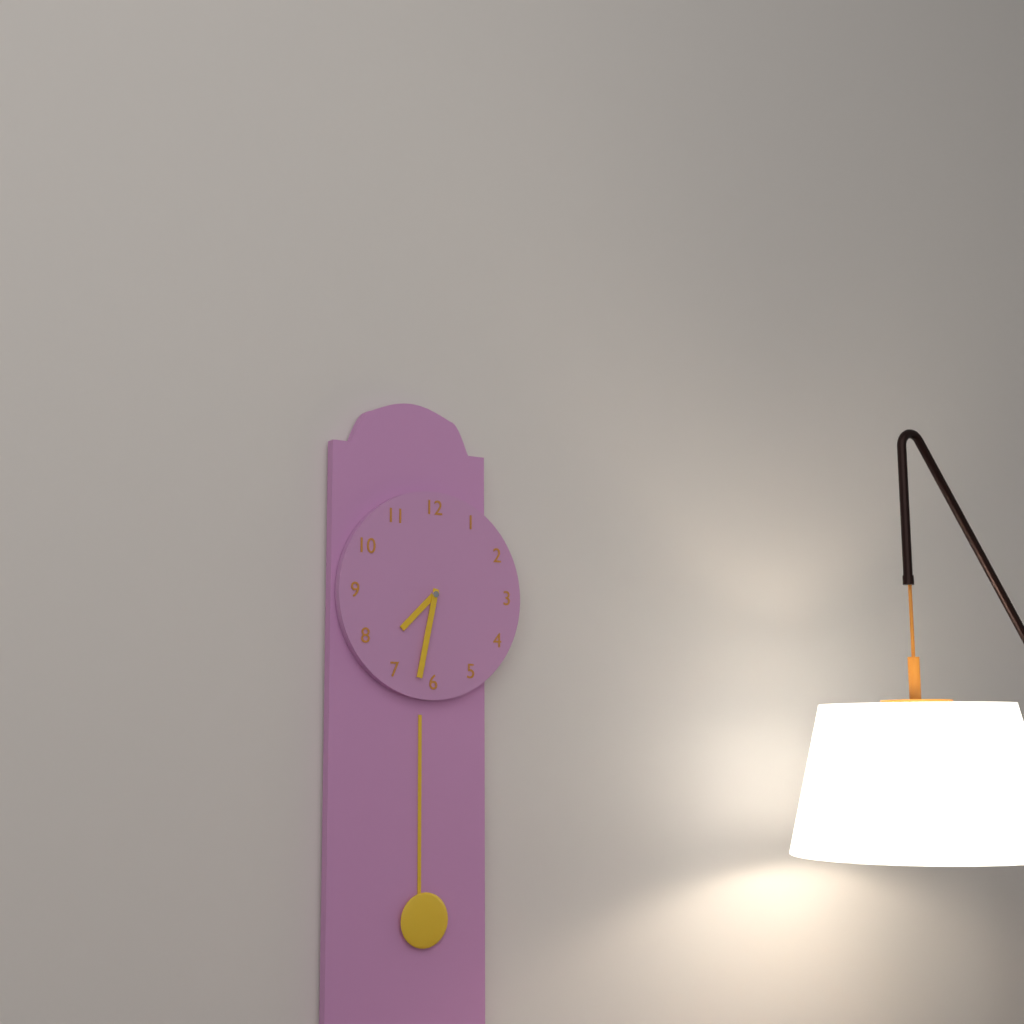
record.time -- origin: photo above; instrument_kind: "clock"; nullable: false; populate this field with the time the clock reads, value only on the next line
7:32
